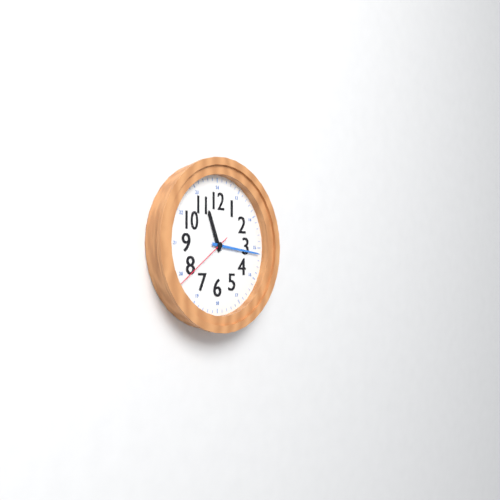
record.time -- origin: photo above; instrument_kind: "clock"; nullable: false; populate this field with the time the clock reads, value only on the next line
11:16:39
